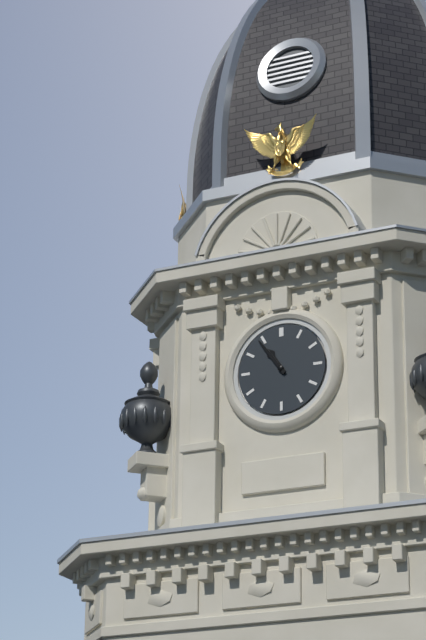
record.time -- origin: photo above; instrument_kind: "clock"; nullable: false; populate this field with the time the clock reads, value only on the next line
10:54
